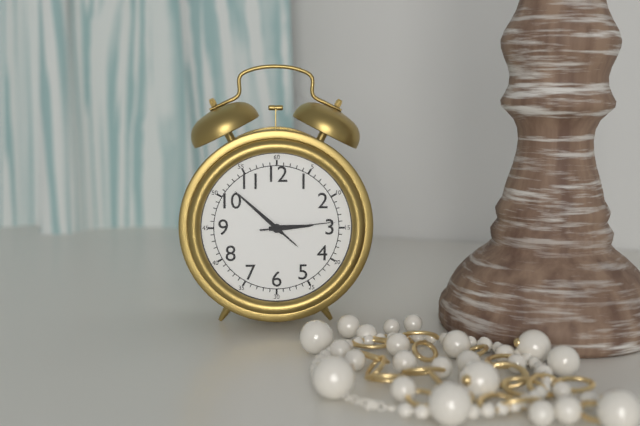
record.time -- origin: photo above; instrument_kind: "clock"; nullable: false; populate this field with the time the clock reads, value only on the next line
2:52:14
